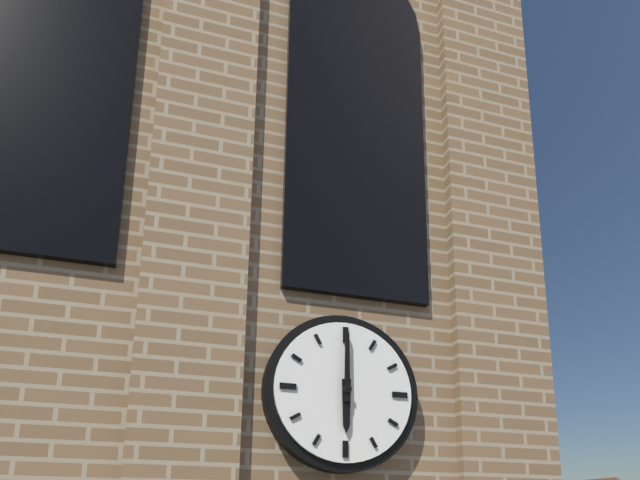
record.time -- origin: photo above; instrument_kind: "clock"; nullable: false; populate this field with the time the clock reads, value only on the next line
6:00
